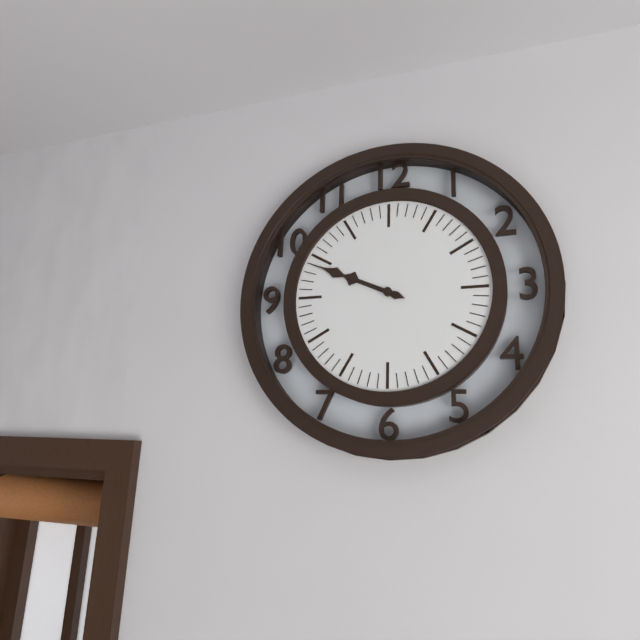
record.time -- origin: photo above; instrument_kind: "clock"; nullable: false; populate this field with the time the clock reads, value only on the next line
9:49
